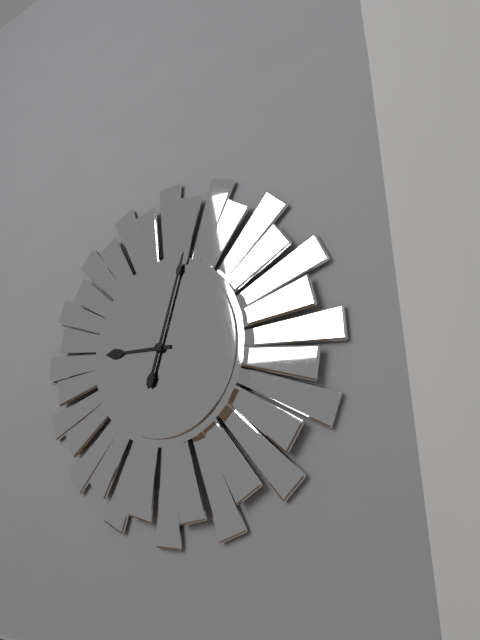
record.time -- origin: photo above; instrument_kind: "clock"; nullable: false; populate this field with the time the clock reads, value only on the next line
9:03
